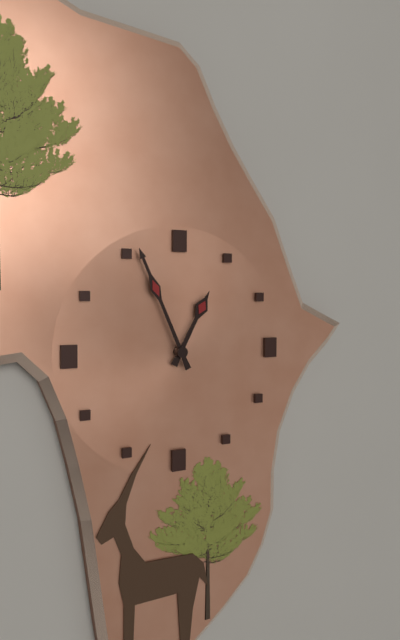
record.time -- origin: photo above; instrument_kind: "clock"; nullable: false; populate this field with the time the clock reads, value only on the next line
12:56
